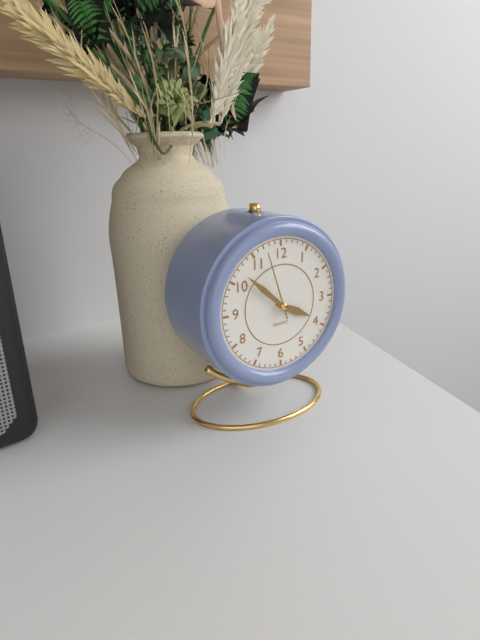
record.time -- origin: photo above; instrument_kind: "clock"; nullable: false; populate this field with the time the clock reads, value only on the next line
3:52:57
